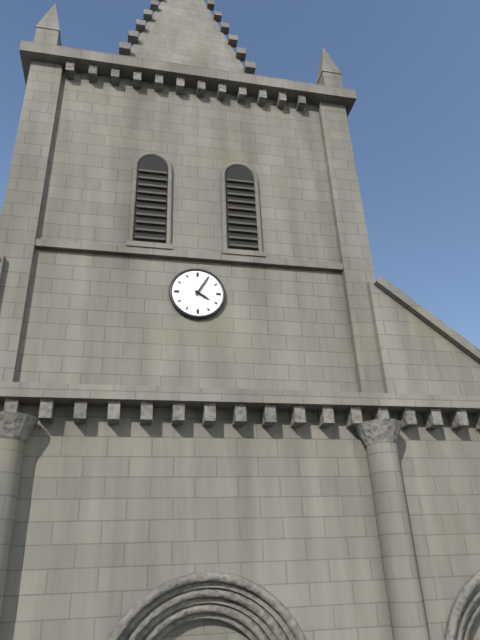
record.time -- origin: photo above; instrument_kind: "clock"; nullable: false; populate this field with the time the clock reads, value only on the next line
4:05
